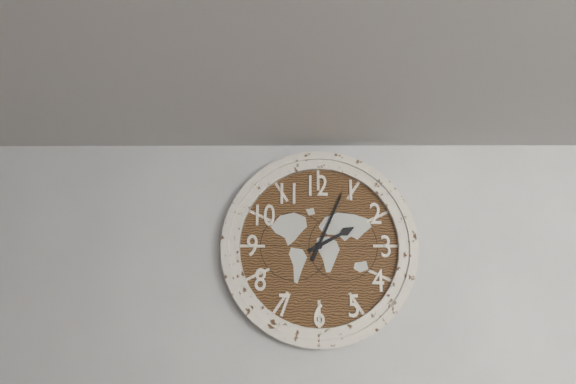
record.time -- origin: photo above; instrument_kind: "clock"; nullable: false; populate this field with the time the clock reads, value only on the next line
2:04
